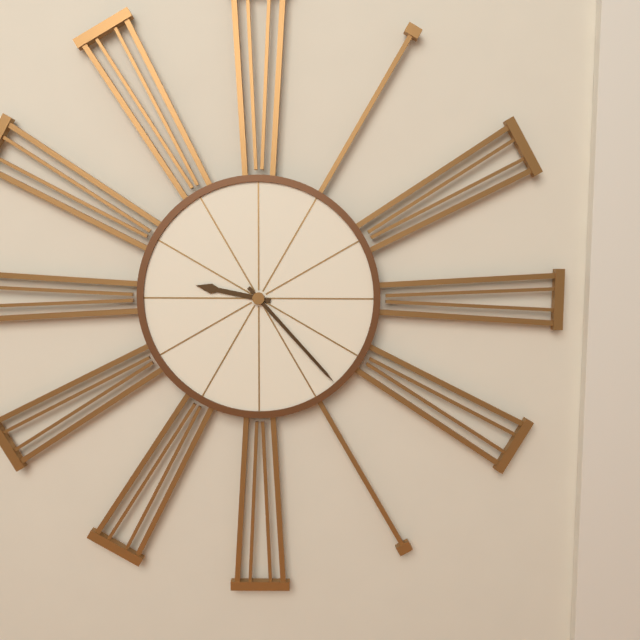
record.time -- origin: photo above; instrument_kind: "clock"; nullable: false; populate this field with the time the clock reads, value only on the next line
9:23
